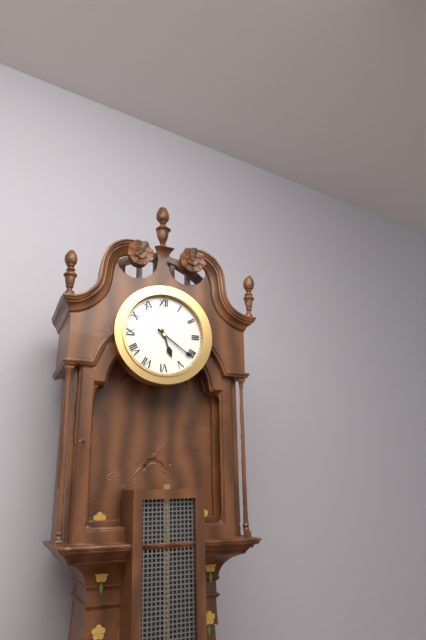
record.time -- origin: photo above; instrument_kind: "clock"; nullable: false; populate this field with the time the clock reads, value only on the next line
5:21
